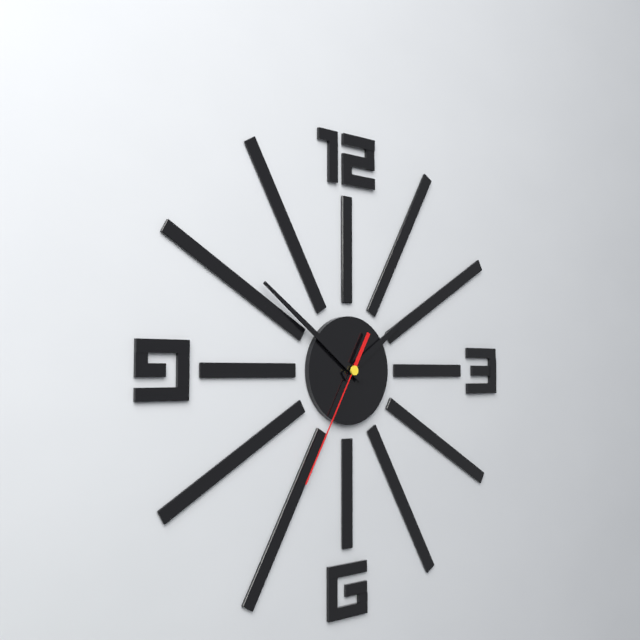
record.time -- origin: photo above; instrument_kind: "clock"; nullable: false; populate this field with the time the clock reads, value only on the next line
1:51:35
